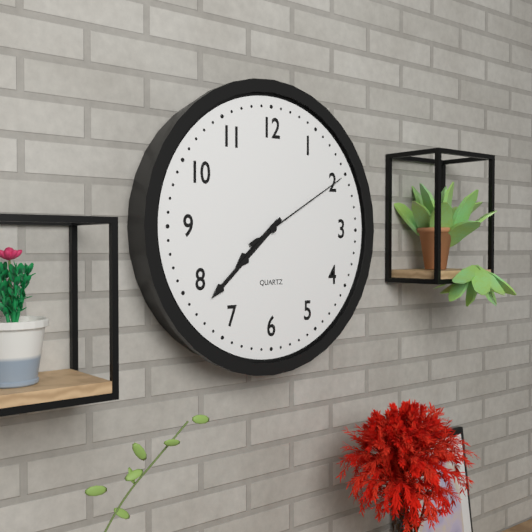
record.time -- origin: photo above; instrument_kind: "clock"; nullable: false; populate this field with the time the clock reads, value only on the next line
7:38:10
